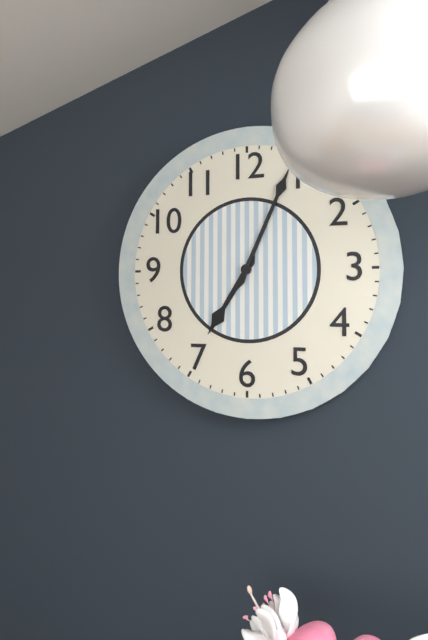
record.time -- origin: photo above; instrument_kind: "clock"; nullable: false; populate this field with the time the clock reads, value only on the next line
7:04
